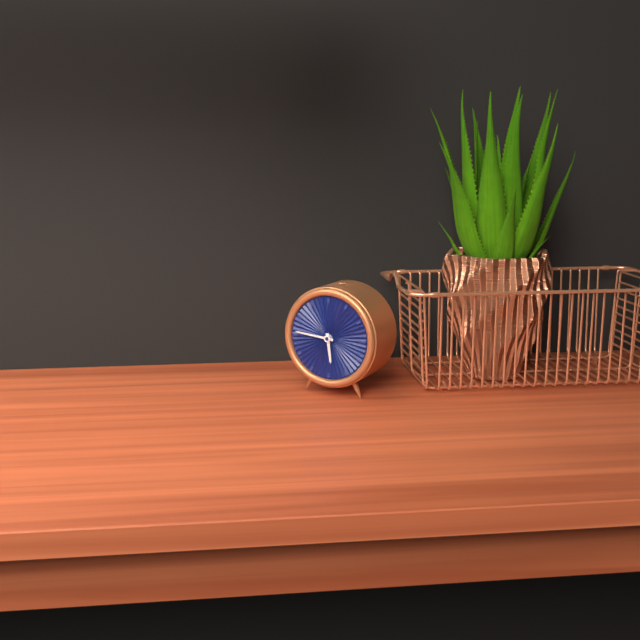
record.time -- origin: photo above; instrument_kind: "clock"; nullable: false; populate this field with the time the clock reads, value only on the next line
5:46
